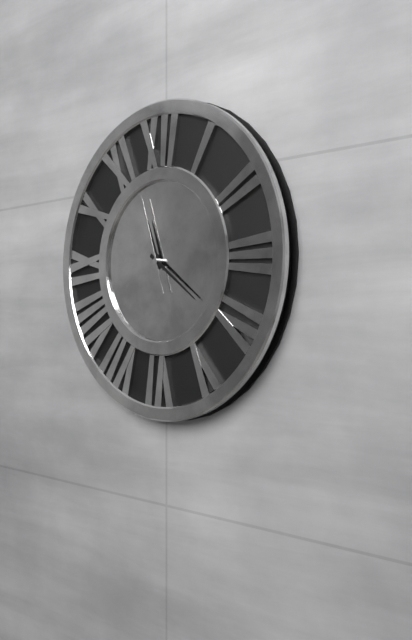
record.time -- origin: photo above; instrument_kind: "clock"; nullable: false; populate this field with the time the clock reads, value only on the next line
11:21:57
